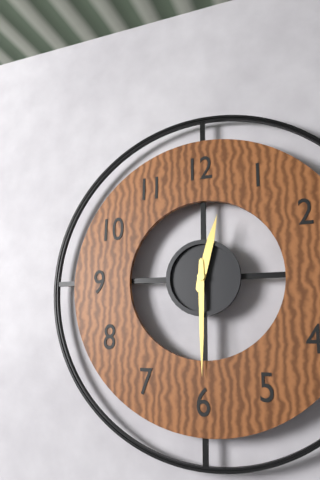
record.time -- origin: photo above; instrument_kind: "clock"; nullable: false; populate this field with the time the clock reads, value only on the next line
12:30
